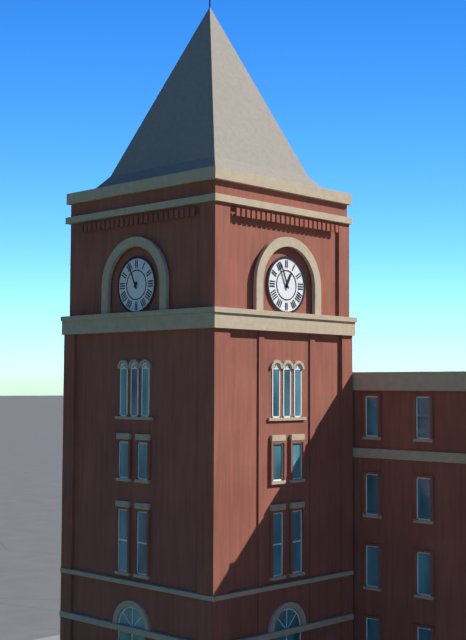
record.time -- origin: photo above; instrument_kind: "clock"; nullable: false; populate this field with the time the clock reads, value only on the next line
12:56
